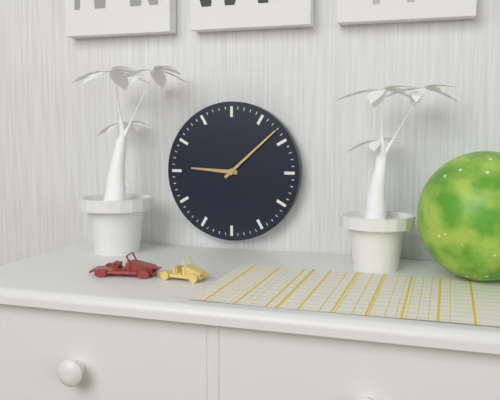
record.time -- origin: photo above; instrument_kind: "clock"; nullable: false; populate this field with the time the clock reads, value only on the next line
9:08
